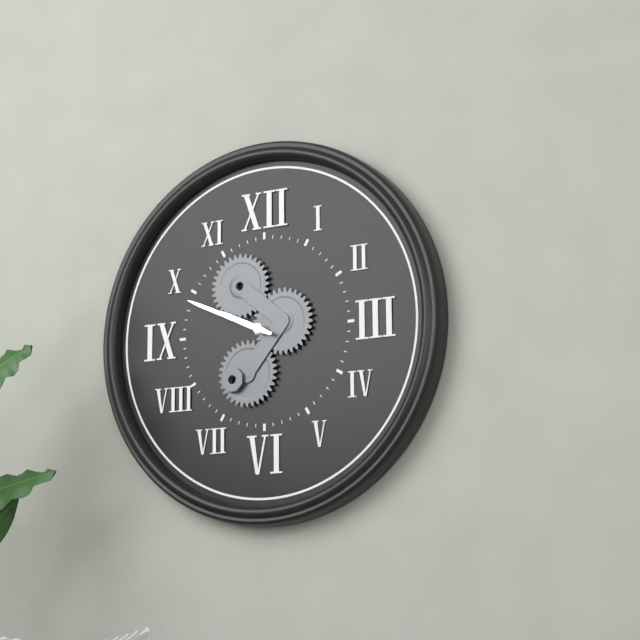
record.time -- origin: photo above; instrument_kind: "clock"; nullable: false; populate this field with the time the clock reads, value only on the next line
9:49
